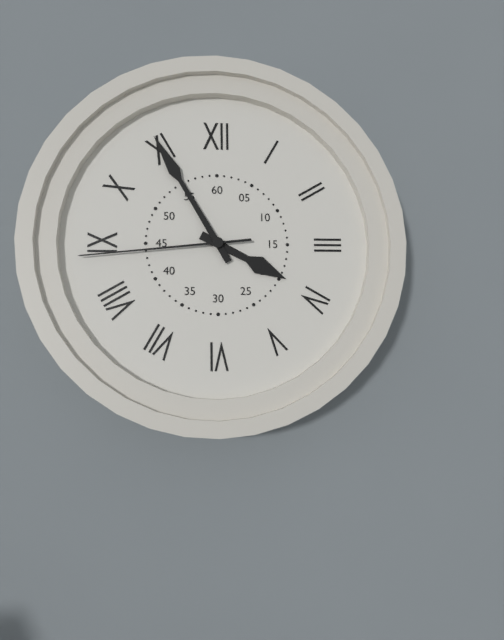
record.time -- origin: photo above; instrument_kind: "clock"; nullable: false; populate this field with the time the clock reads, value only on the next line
3:55:44
